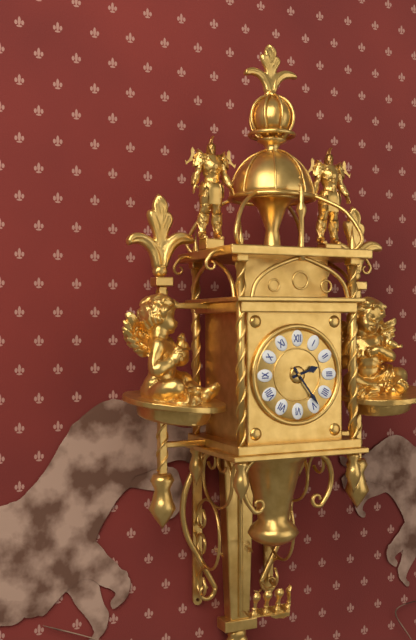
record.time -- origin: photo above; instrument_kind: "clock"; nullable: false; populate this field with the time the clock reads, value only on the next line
2:24
